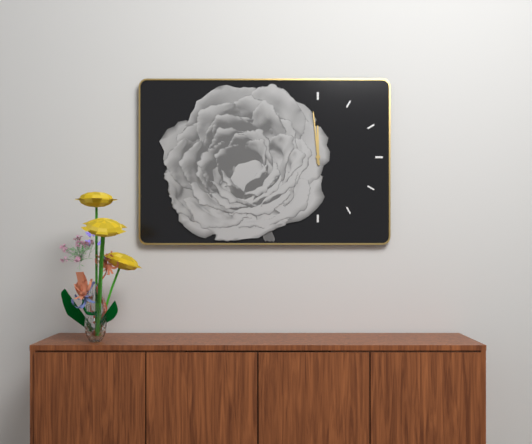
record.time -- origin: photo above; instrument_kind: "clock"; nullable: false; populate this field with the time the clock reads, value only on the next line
11:59
